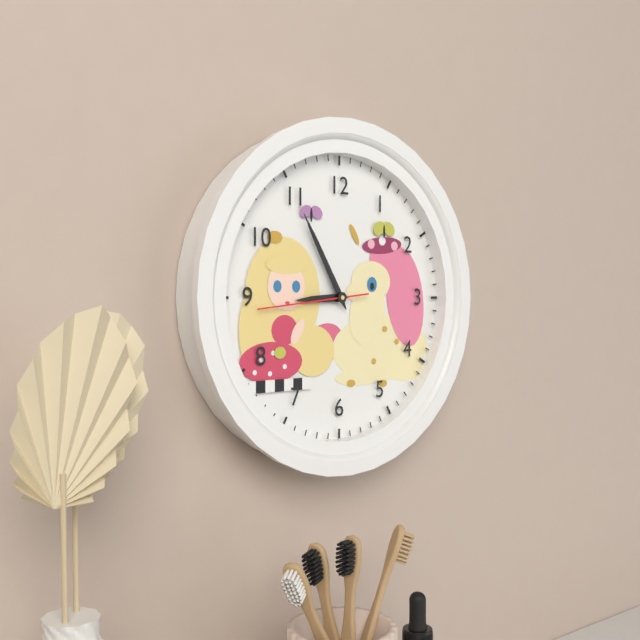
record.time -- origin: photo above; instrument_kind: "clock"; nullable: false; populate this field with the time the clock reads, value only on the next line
8:55:44
